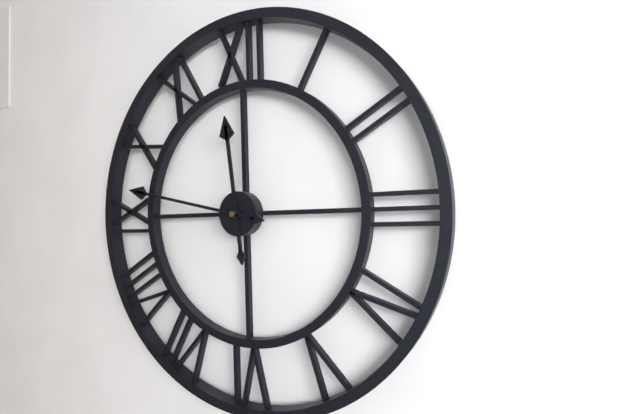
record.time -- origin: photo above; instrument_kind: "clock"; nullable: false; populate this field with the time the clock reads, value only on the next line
11:47
